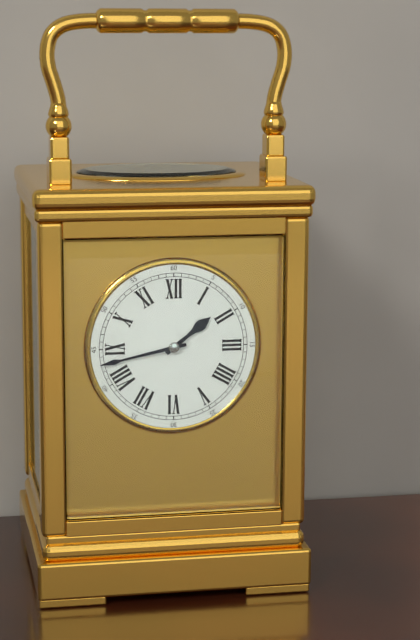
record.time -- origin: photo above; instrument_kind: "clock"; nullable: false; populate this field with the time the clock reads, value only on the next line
1:43
